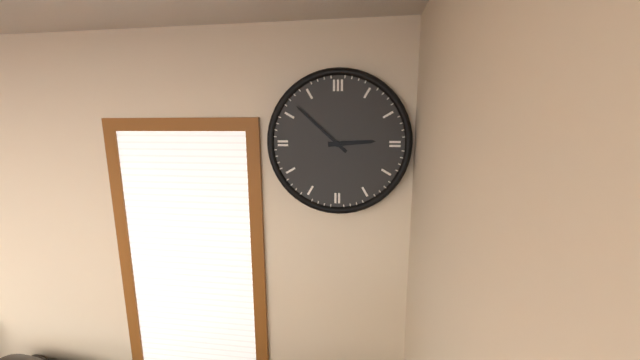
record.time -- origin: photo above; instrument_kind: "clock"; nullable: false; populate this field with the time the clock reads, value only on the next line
2:52
